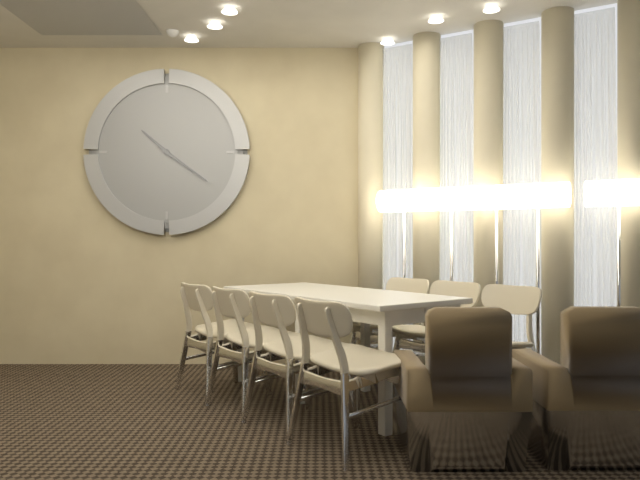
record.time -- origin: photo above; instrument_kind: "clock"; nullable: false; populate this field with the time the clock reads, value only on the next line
10:21
